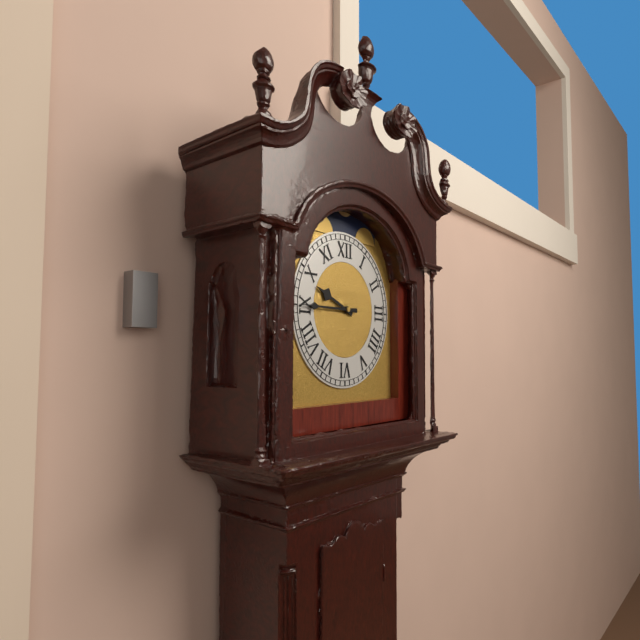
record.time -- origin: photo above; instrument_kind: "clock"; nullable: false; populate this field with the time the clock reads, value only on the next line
9:45
